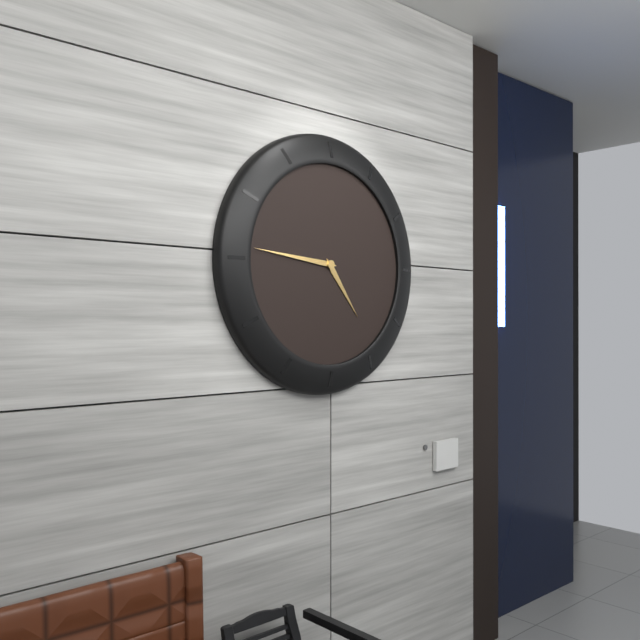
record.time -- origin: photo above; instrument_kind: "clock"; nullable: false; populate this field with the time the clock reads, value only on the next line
4:46
